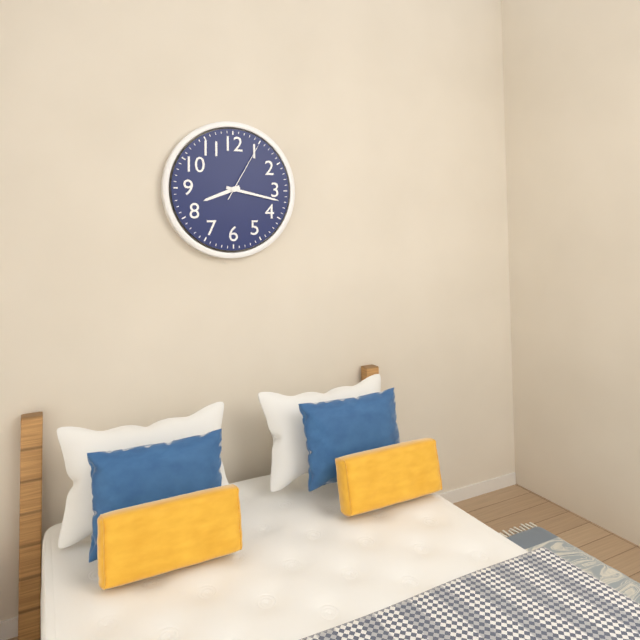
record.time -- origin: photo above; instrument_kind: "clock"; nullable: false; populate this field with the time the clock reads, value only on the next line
8:17:05
